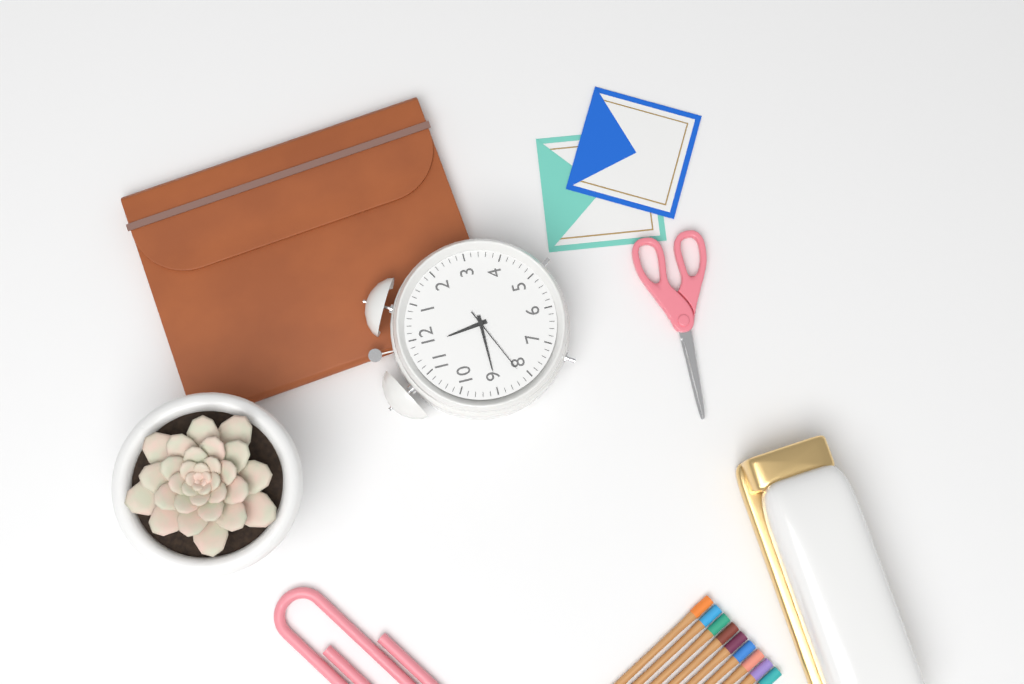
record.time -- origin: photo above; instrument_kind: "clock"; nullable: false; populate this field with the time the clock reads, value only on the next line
11:45:41
